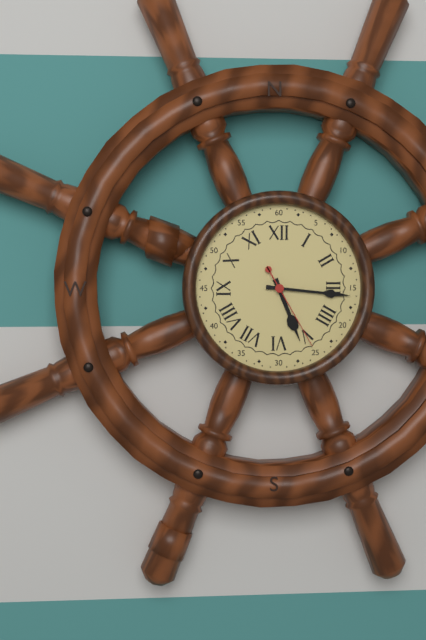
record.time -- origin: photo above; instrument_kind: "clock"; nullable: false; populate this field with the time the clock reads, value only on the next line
5:16:25
